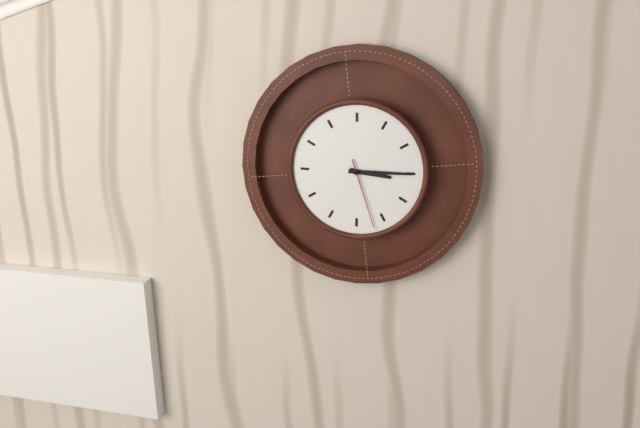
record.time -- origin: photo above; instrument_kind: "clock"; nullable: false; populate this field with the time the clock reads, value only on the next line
3:15:27
